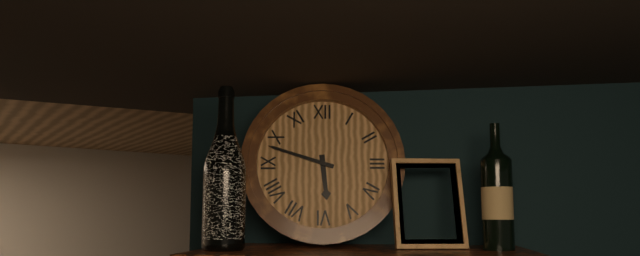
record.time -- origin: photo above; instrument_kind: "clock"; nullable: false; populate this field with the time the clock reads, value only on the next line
5:48
